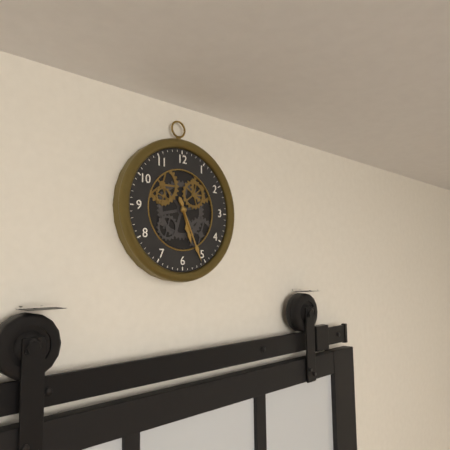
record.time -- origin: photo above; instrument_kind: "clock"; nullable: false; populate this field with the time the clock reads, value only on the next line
5:26
